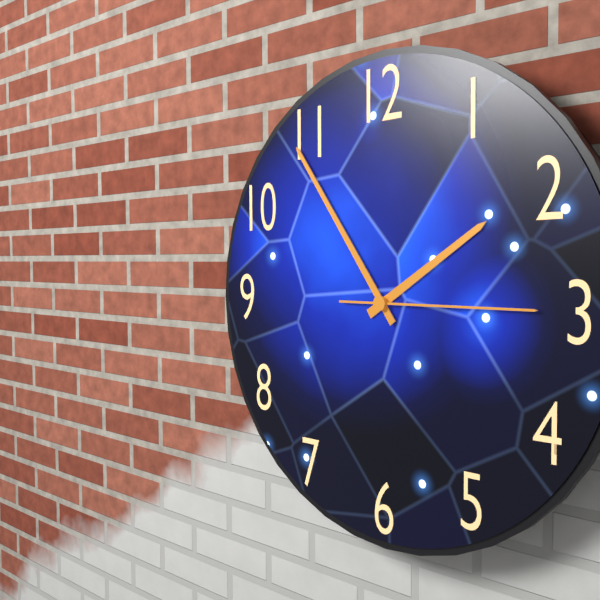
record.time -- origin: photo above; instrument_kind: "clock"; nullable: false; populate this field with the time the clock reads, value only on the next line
1:54:15
